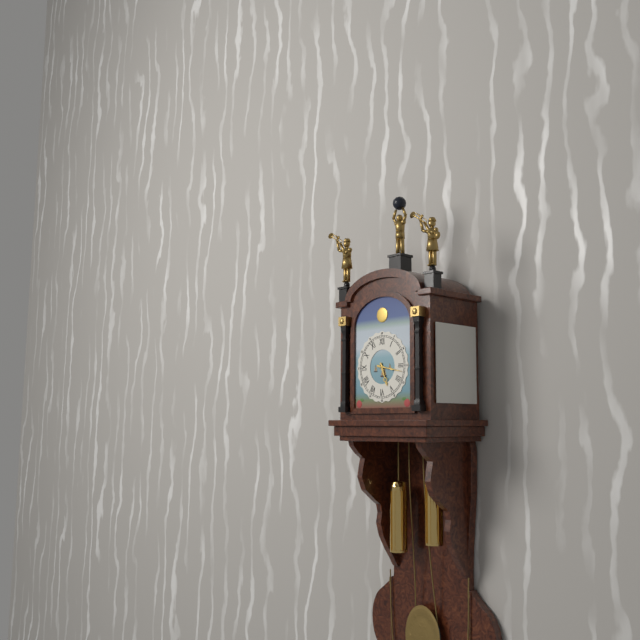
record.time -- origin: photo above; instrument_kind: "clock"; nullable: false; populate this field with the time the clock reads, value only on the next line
5:17
